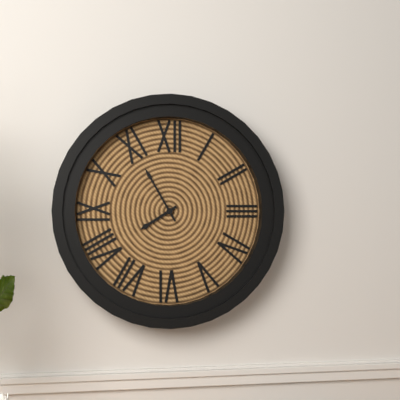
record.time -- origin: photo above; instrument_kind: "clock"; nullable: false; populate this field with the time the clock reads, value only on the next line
7:55
